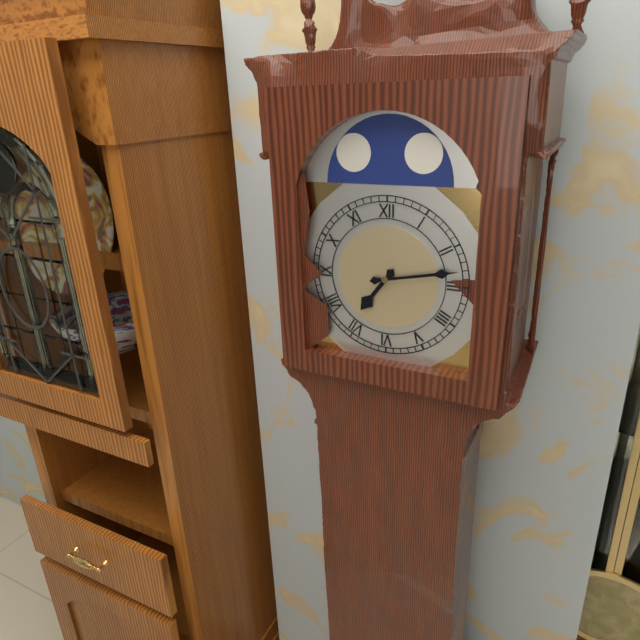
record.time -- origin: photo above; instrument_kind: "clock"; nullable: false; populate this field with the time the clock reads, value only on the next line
7:13
